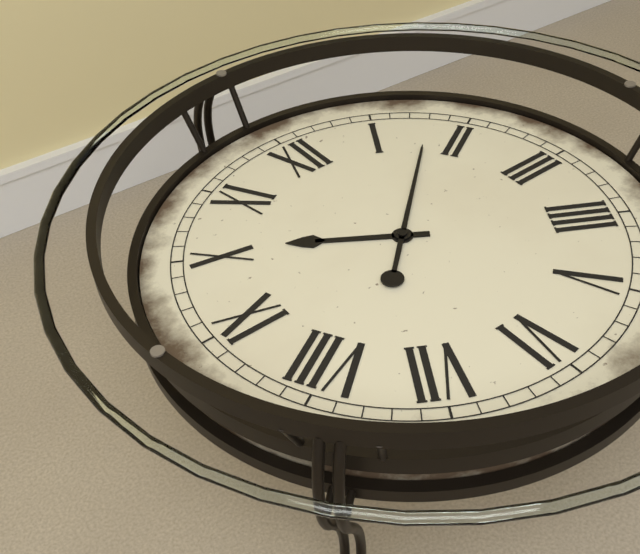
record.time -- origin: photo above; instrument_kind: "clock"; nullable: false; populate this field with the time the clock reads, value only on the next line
10:08
